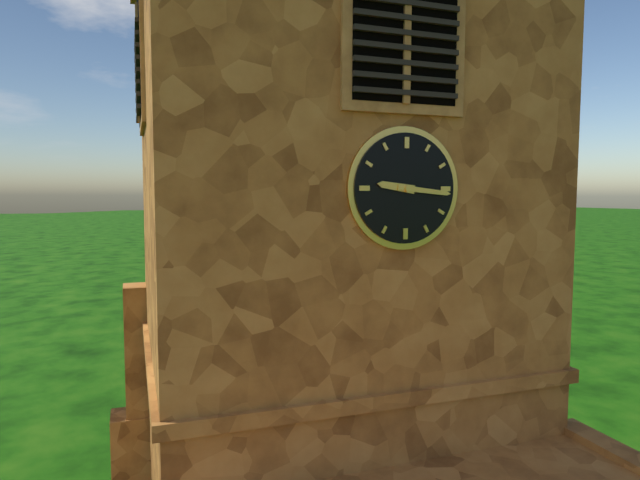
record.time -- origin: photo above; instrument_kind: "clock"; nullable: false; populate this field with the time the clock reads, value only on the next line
9:16
